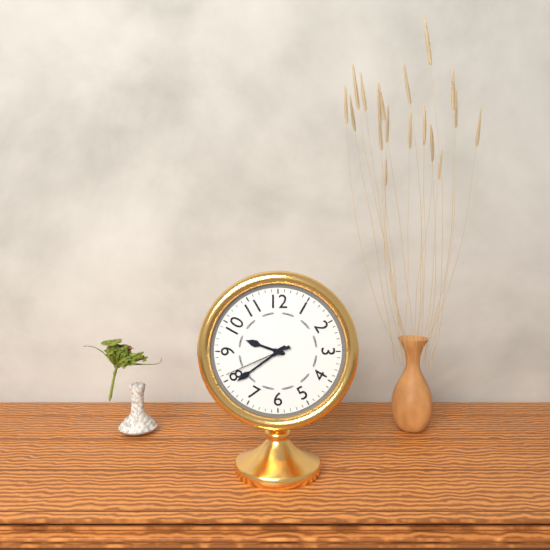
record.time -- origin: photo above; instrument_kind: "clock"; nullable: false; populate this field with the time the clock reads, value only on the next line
9:39:41
